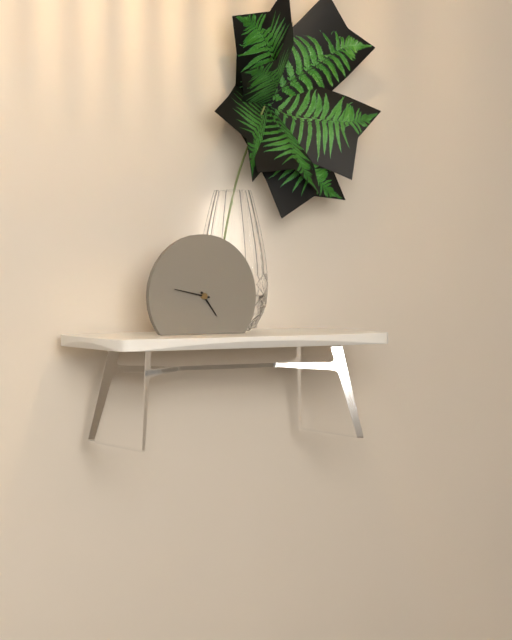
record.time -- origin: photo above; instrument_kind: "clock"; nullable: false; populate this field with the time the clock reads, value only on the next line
4:47
